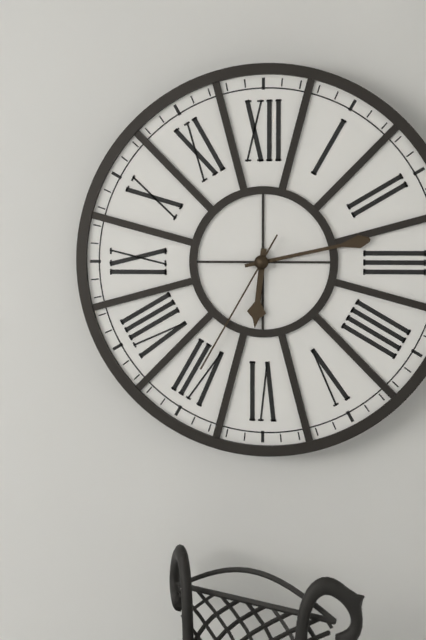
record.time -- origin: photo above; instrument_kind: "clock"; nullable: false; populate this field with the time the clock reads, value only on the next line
6:13:35
